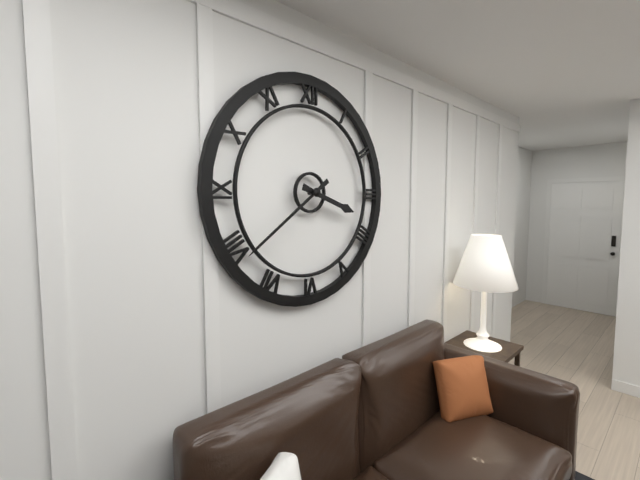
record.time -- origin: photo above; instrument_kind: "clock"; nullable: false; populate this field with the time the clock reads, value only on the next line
3:39
